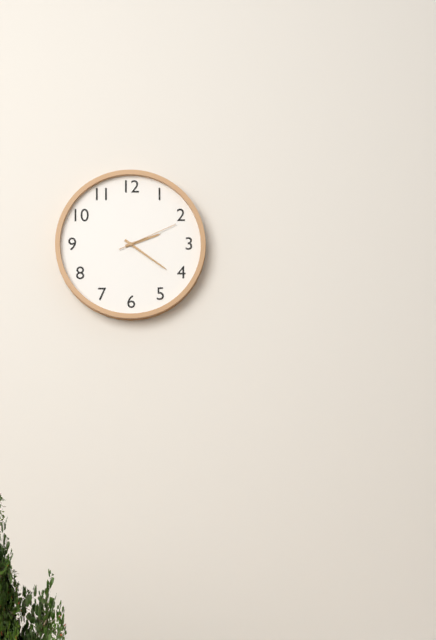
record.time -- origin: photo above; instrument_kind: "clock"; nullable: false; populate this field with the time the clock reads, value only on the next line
2:21:11
